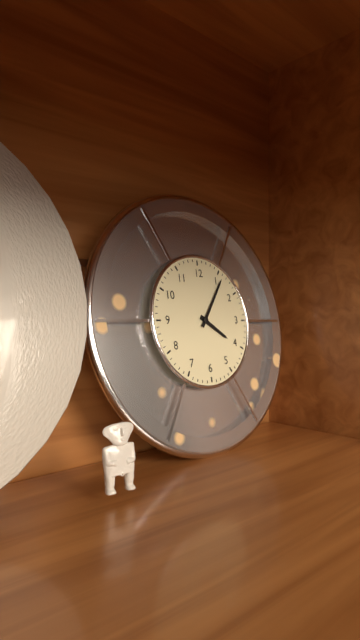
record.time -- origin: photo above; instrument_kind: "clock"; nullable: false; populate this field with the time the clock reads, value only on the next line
4:06
